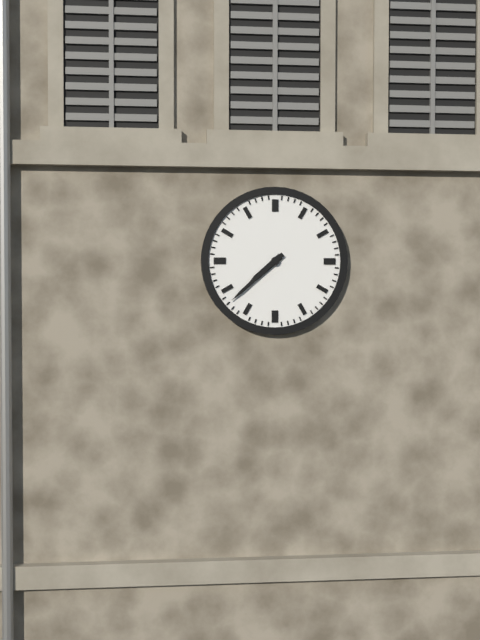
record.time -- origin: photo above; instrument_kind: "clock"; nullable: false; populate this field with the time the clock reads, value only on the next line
7:38
